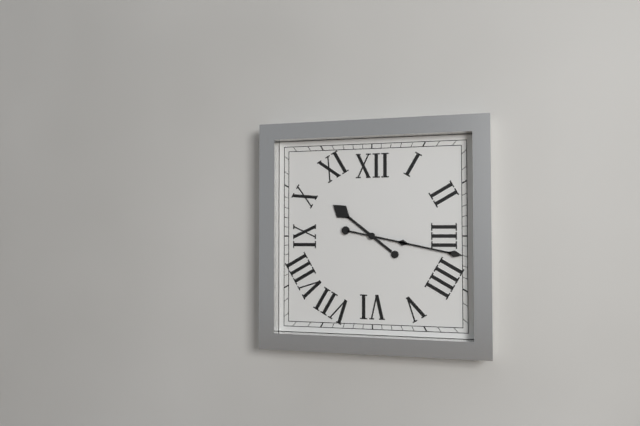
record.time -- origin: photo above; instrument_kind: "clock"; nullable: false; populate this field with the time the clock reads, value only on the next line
10:17
